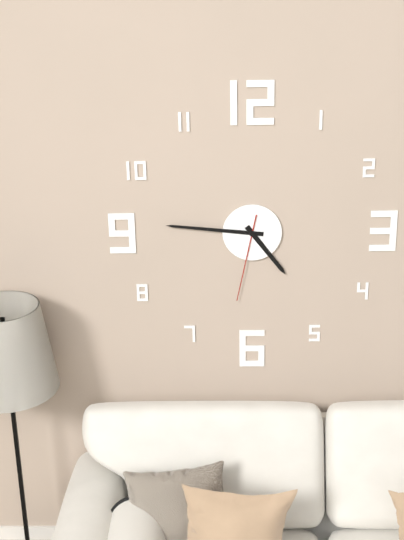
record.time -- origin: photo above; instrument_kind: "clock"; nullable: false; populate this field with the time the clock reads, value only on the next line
4:46:32
